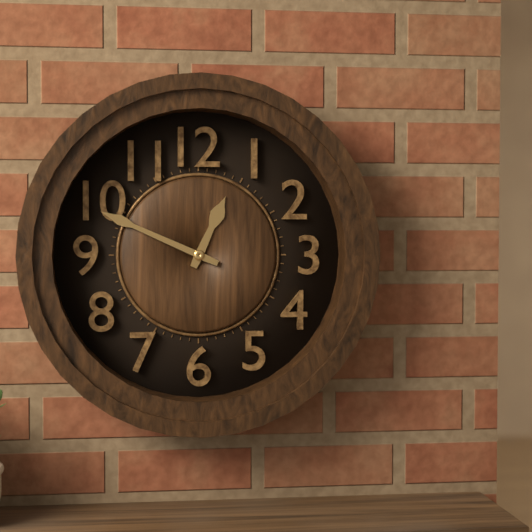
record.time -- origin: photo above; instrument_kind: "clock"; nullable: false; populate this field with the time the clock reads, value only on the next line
12:49
